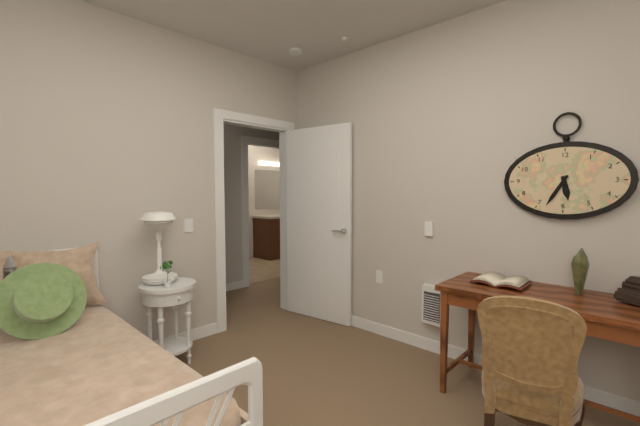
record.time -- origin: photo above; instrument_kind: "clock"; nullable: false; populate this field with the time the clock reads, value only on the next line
5:35
